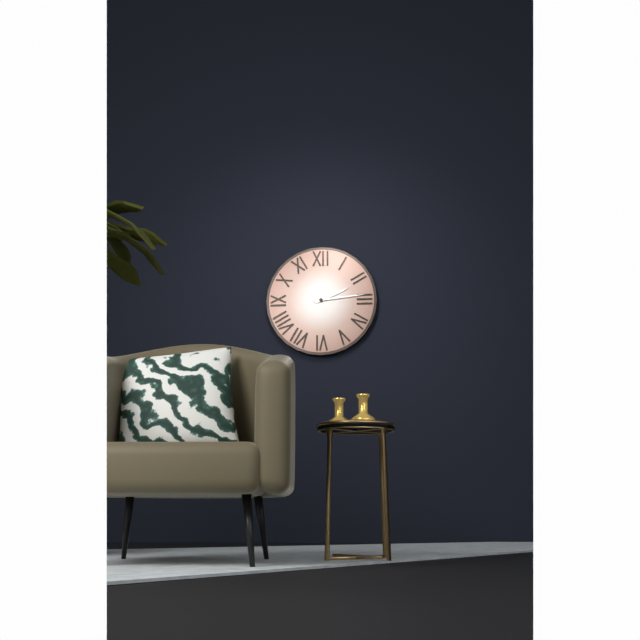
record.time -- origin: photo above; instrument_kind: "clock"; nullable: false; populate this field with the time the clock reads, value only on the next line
2:14
